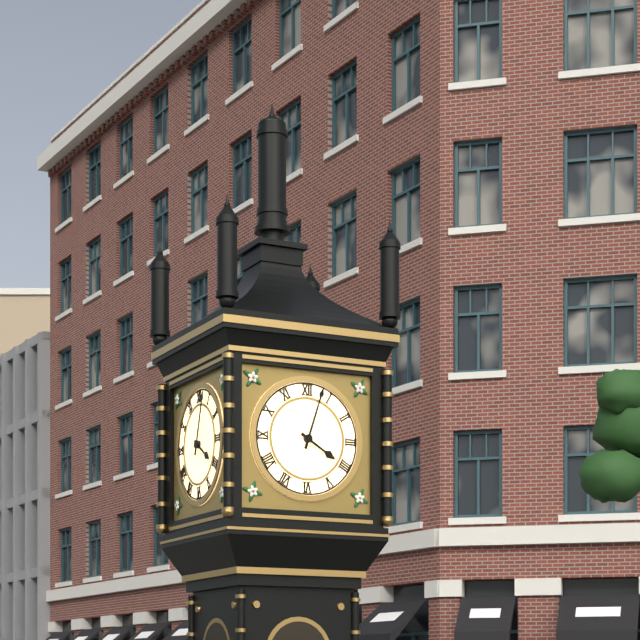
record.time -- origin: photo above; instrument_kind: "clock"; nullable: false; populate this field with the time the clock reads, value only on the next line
4:03
